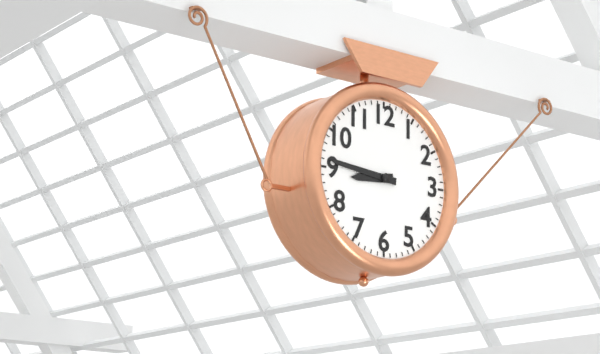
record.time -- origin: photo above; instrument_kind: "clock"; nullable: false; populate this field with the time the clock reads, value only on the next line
8:46
